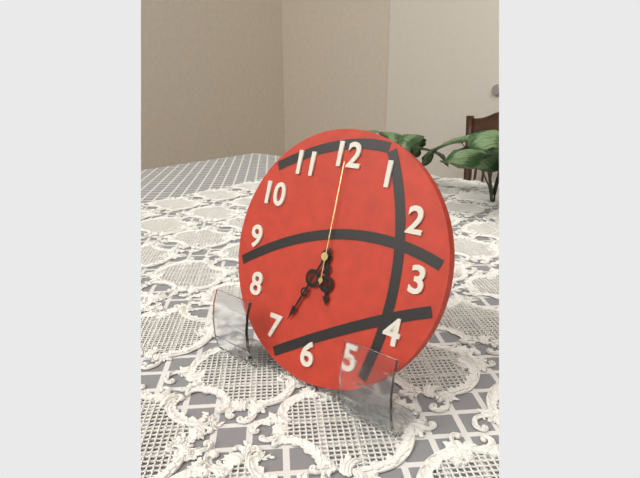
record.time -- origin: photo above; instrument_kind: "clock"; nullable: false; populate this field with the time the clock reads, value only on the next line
5:34:00
